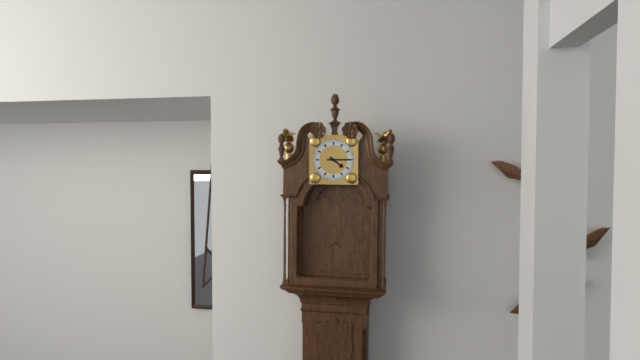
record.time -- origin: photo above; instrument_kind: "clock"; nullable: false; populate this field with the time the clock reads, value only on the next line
4:15
